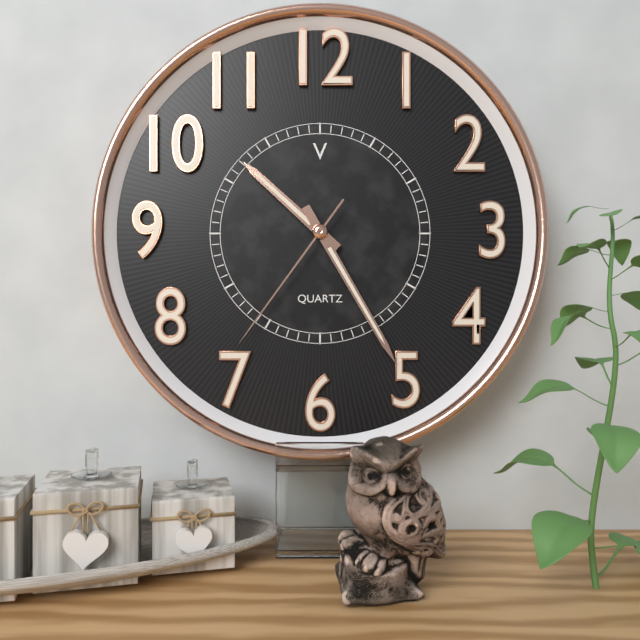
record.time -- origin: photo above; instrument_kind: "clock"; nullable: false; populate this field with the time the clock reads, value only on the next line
10:25:36
